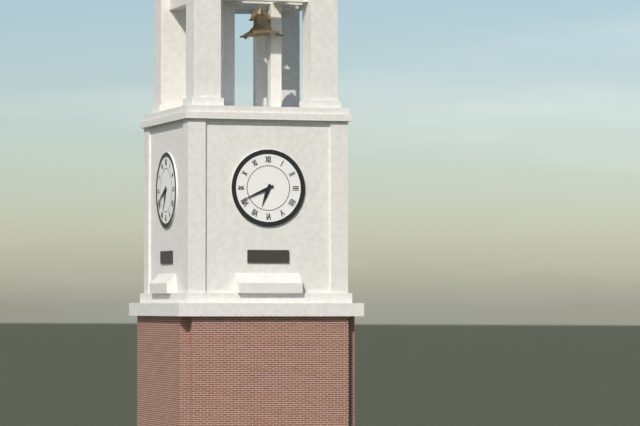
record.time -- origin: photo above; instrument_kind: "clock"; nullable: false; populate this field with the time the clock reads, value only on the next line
6:41
